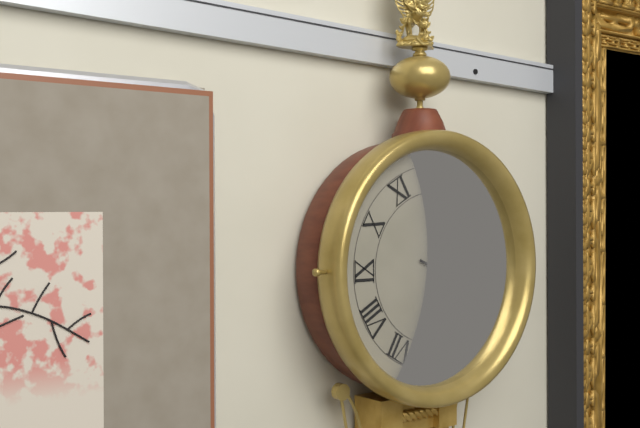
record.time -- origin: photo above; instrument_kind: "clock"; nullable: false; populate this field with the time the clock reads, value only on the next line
5:19
